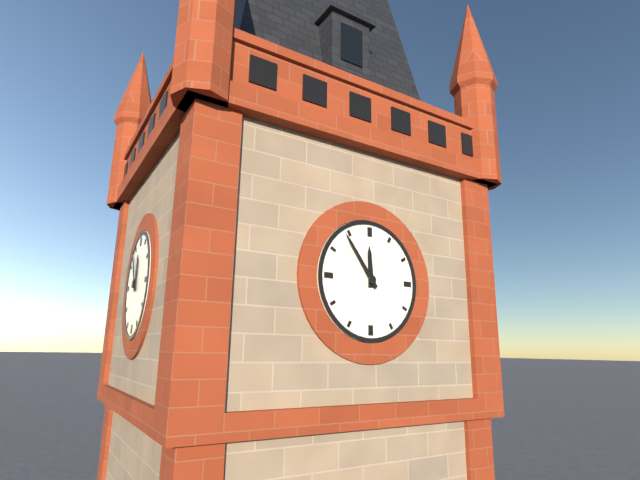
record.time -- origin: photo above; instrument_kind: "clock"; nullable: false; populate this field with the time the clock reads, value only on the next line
11:54
